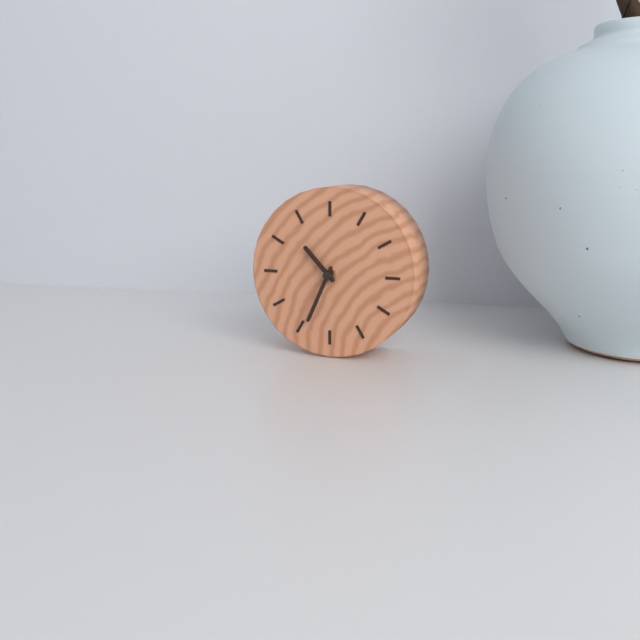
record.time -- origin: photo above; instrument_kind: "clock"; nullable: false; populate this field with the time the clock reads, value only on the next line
10:34
